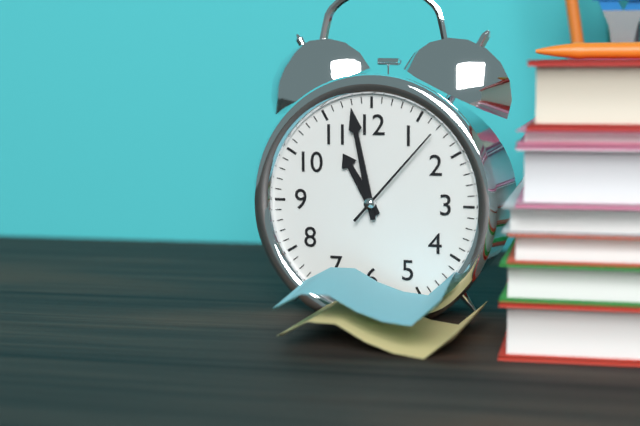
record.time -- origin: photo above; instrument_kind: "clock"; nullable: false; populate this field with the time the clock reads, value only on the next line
10:58:07
